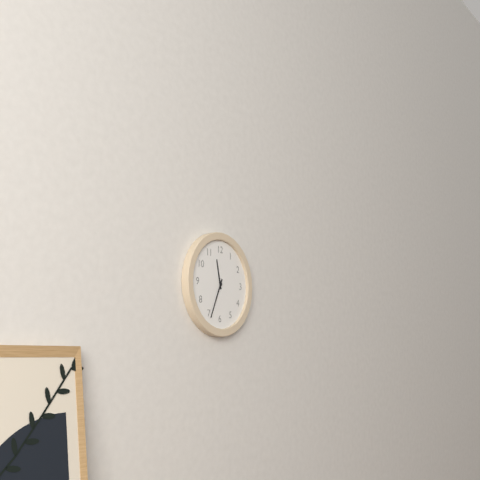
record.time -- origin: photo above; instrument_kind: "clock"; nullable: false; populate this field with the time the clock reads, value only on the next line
11:34
